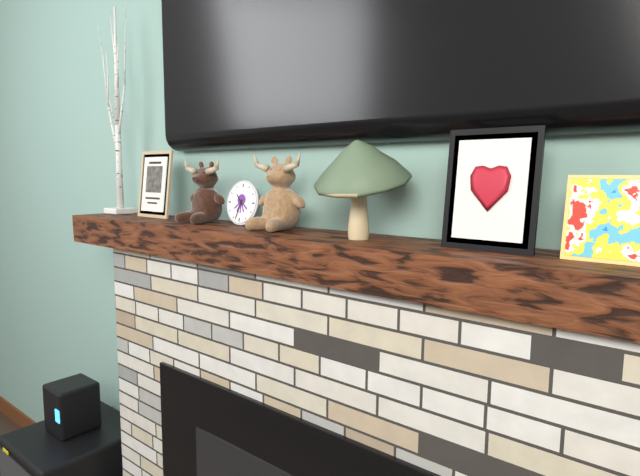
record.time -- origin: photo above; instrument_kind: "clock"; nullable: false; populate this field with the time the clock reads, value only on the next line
10:33
